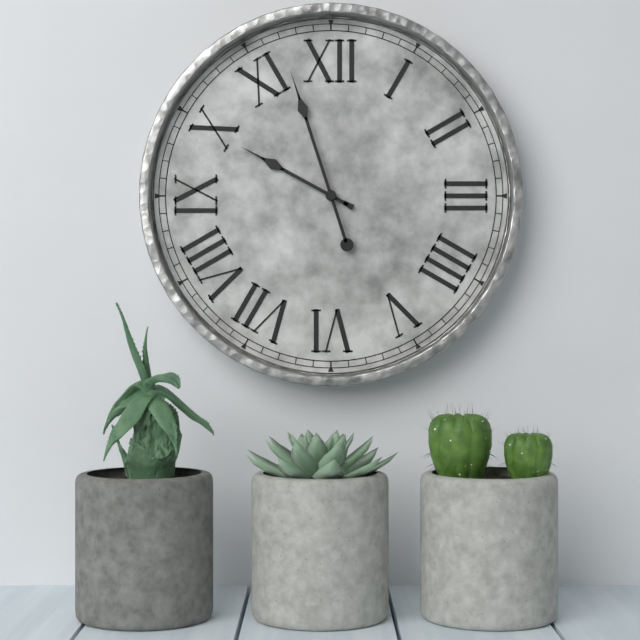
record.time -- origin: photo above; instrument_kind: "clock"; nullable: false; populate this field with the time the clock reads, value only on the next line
9:57
